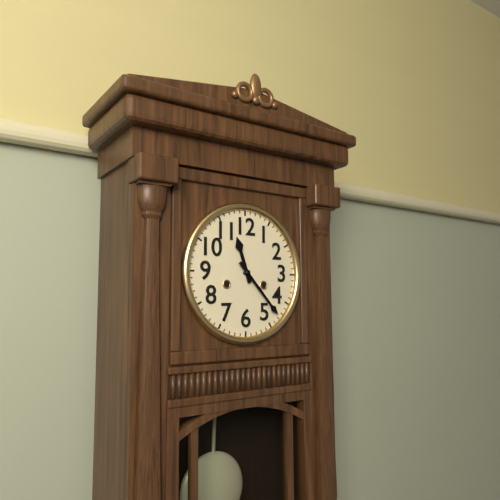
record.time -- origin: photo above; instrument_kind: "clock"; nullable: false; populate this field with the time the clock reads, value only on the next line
11:23
